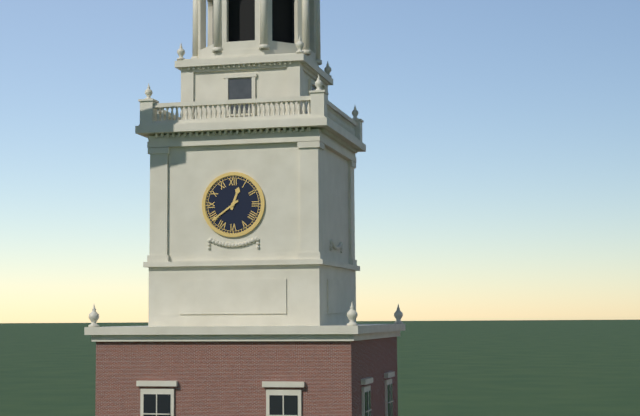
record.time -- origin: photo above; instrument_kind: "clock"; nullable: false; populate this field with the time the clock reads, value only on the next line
12:39
